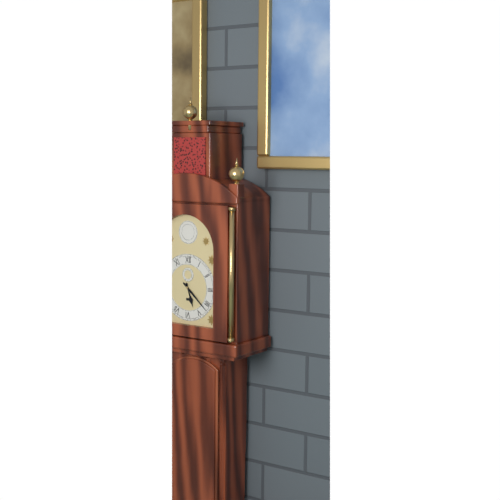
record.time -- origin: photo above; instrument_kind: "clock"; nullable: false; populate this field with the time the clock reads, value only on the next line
5:22
